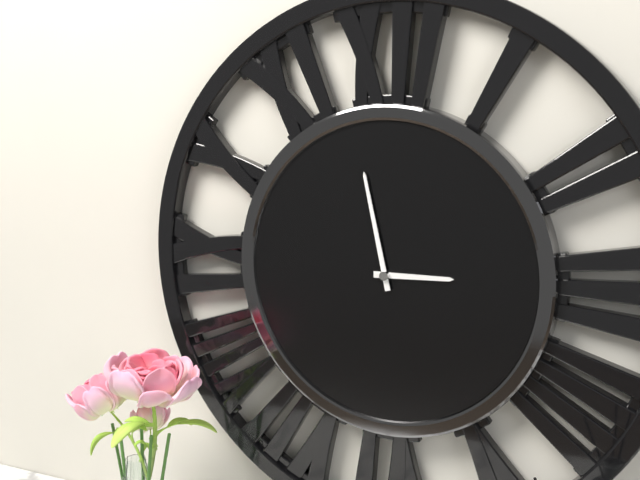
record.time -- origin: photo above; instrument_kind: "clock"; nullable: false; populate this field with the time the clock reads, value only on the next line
2:58
